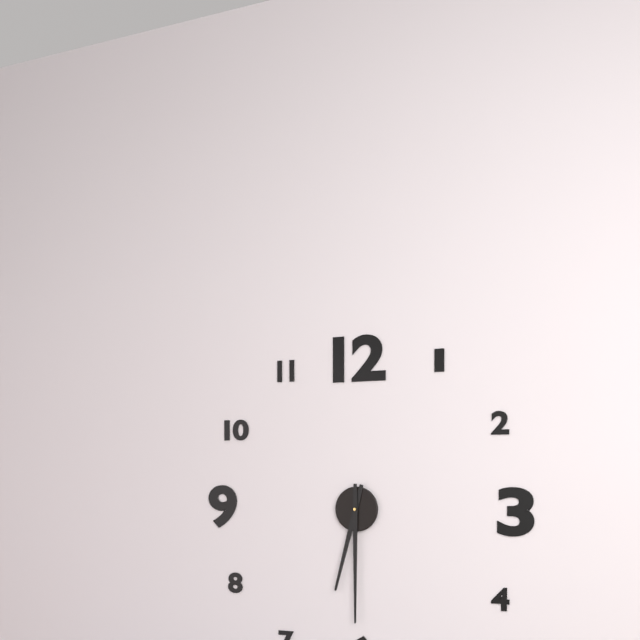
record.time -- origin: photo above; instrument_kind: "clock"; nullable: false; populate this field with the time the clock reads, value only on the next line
6:30
